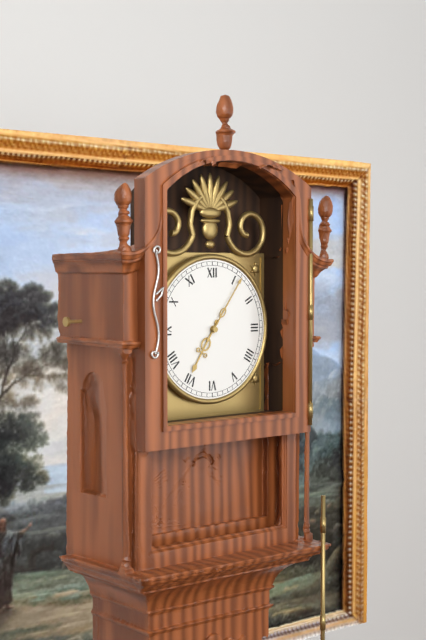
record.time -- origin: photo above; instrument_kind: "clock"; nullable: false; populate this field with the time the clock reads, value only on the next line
7:06
